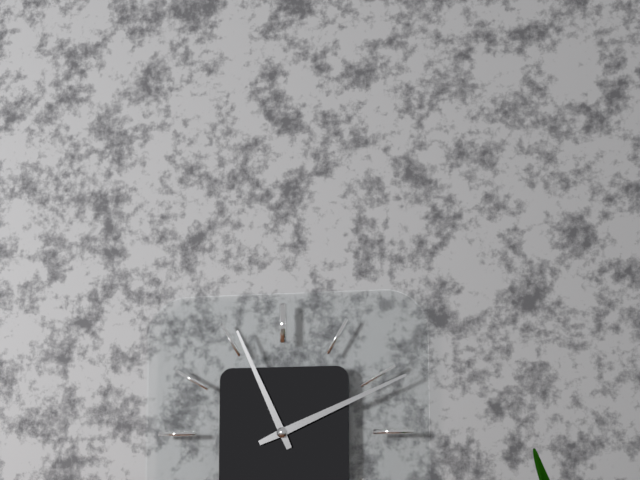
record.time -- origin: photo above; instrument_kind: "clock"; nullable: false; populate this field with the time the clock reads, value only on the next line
11:11
